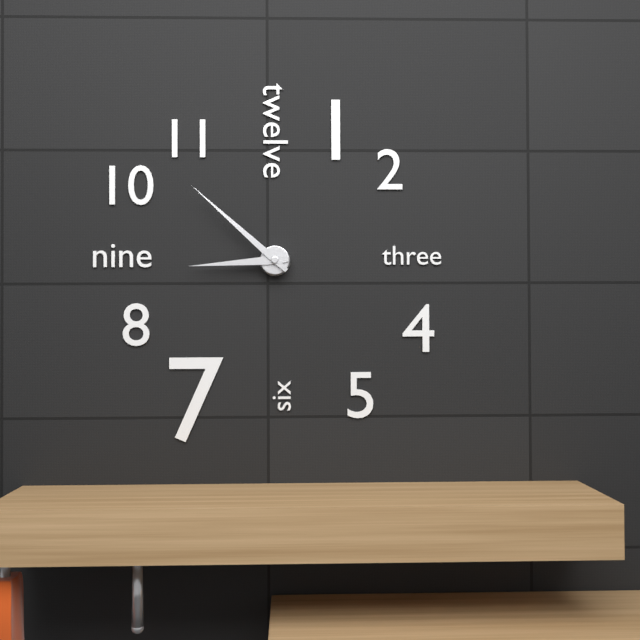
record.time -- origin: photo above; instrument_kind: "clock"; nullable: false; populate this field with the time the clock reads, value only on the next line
8:52
